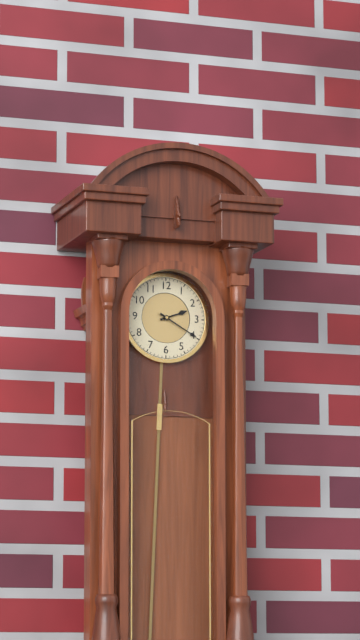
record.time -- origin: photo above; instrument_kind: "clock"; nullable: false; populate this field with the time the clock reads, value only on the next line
2:20
